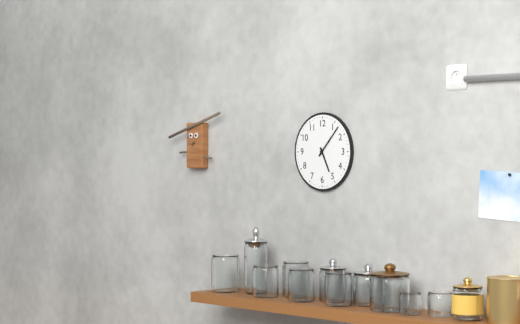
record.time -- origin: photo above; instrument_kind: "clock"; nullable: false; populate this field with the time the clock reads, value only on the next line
5:07
